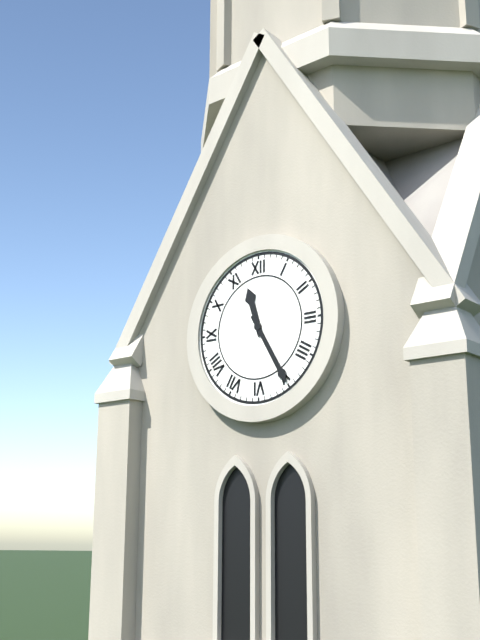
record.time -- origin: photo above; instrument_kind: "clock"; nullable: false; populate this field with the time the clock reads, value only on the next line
11:25
